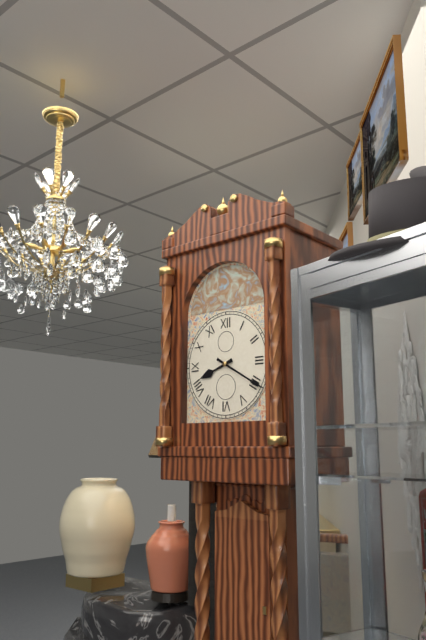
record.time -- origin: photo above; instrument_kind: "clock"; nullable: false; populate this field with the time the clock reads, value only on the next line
8:20
